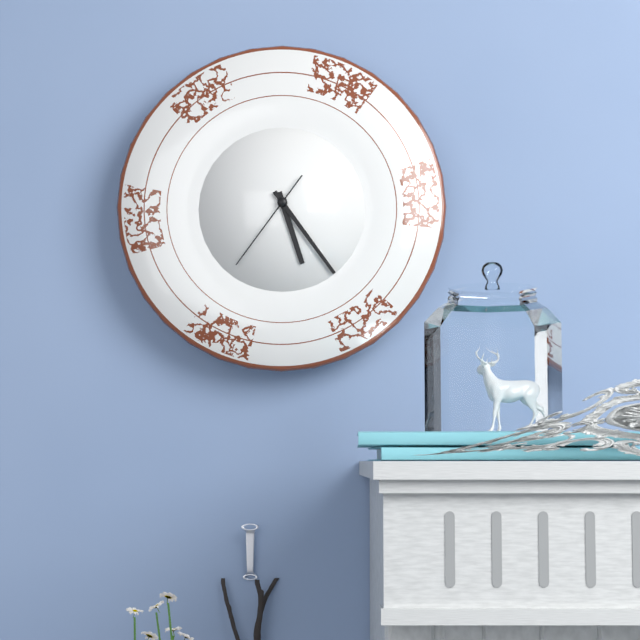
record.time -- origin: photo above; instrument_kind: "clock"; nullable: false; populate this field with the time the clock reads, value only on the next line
5:24:36
